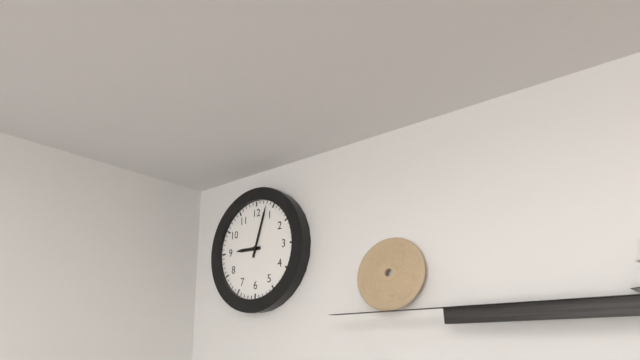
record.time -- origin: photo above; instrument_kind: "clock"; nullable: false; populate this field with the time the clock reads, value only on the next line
9:03
